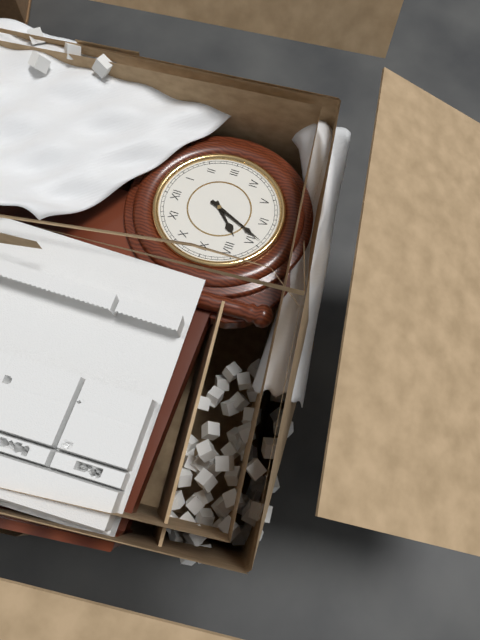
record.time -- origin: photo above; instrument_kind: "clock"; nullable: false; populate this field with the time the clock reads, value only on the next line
7:34
